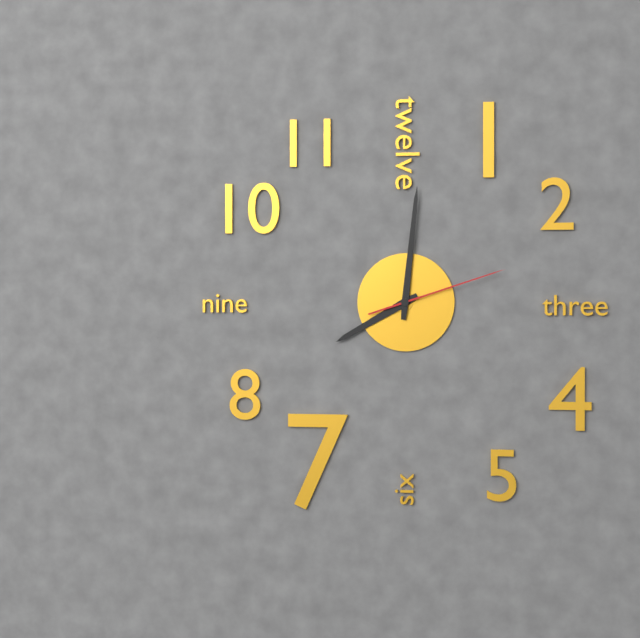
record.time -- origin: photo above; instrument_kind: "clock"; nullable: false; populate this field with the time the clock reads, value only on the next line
8:01:12
